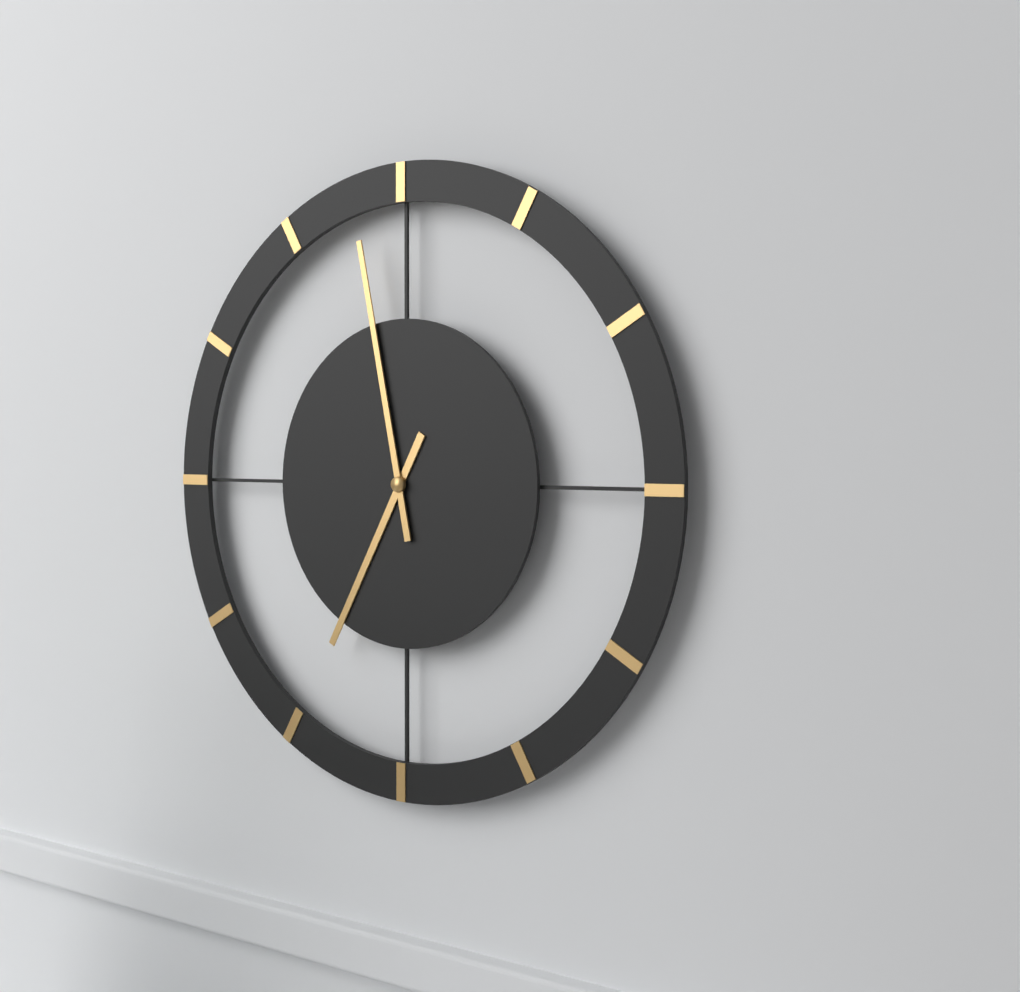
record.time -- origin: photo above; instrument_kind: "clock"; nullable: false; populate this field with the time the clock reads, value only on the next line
6:58
